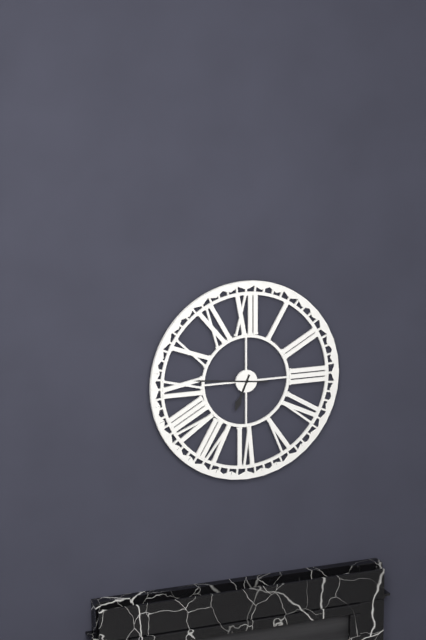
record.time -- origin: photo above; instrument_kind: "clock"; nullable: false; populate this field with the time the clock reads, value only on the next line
6:46
